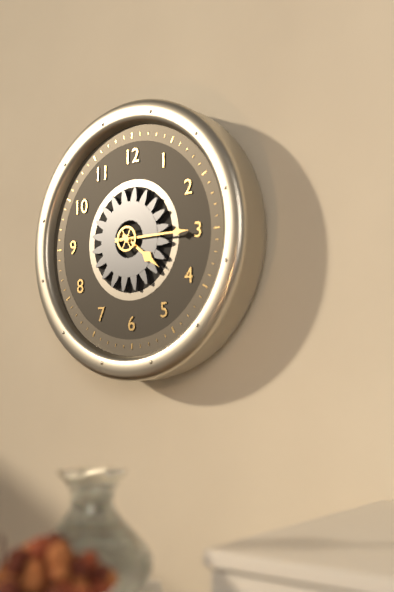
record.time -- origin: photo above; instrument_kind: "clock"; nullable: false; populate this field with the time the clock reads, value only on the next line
4:15
